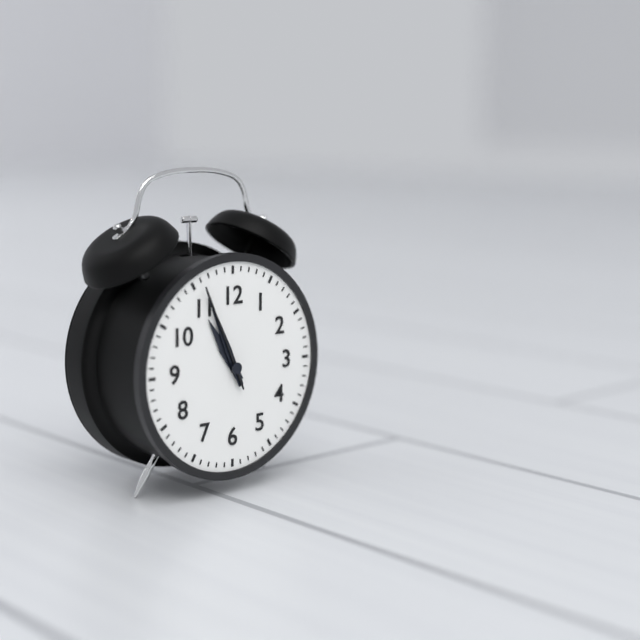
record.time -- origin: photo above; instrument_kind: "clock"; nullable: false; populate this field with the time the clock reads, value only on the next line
10:56:56
